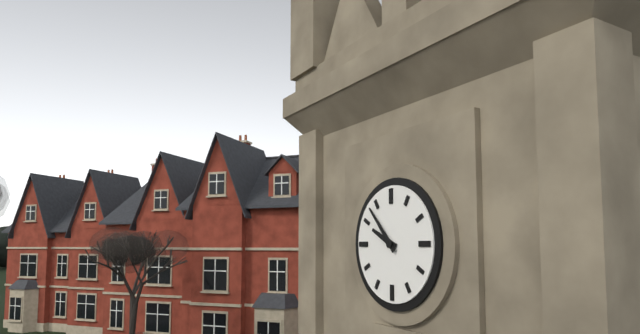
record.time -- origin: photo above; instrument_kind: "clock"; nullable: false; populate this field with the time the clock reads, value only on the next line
9:53
